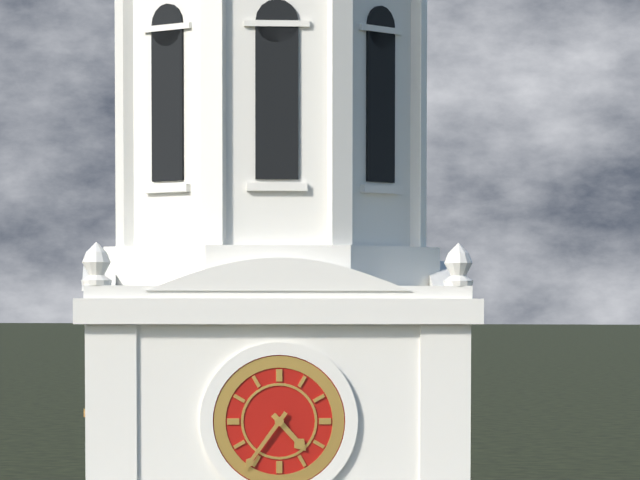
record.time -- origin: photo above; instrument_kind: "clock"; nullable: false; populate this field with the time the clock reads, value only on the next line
4:36
